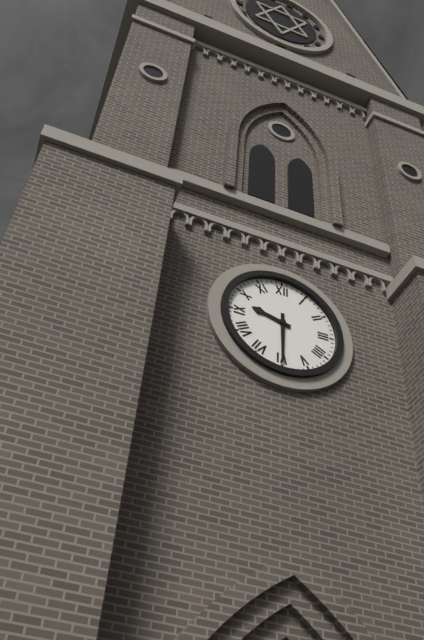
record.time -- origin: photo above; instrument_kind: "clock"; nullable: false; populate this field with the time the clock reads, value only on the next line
9:30
